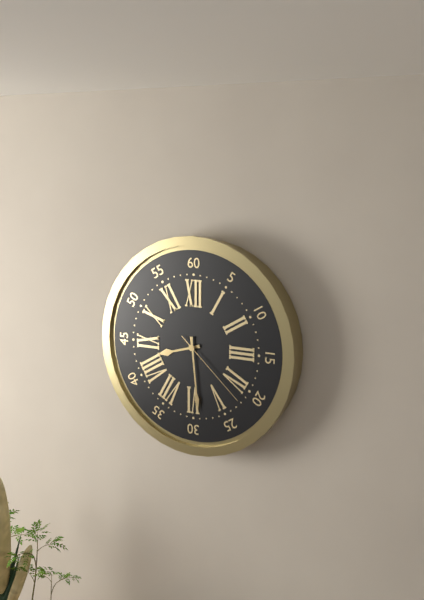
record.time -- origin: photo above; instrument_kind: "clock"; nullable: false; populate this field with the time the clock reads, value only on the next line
8:29:22
